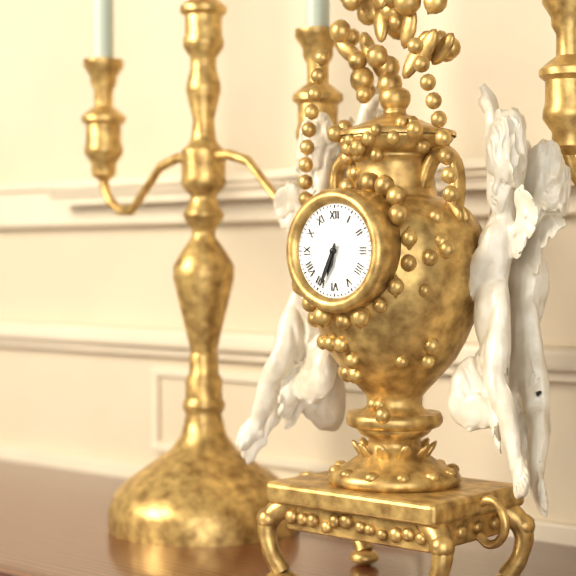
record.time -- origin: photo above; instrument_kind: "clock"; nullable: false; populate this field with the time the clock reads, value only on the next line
6:34
